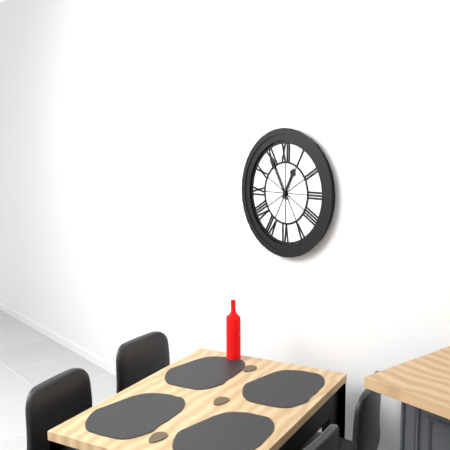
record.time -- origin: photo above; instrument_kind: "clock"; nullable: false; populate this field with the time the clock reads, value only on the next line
12:55
